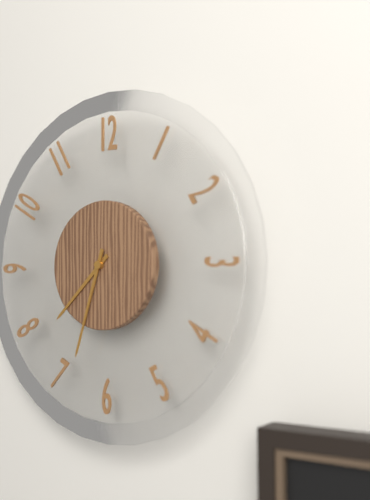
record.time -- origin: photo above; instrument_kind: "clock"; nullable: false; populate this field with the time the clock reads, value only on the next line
7:33
